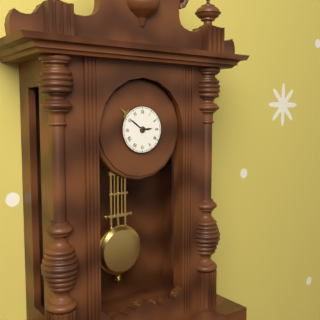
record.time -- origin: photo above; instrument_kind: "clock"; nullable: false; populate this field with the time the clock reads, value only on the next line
2:51
